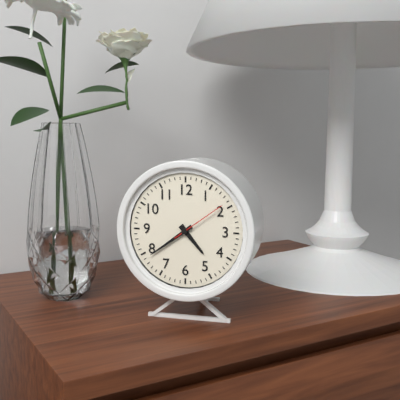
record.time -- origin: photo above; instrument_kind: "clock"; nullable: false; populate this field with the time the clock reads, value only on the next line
4:39:09
